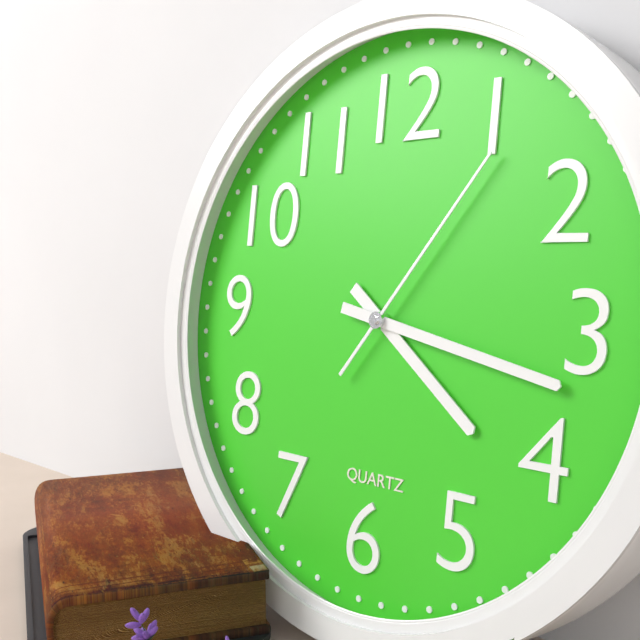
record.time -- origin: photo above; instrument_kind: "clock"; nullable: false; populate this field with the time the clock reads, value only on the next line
4:17:06
